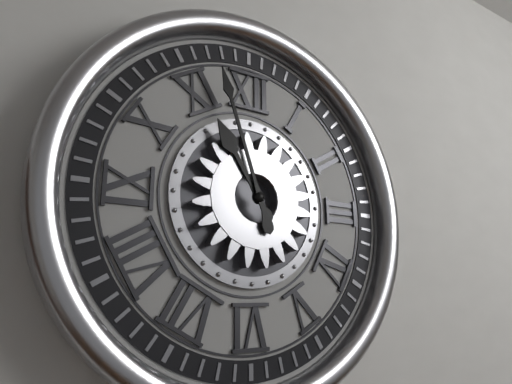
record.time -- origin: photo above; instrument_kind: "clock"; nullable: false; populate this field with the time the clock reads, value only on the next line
10:57
